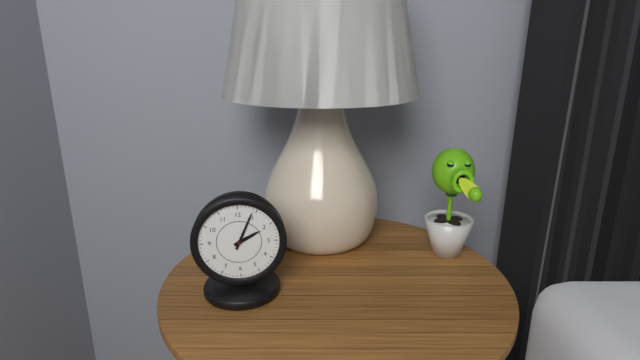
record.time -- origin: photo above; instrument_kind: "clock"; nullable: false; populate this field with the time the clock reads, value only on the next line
2:04
